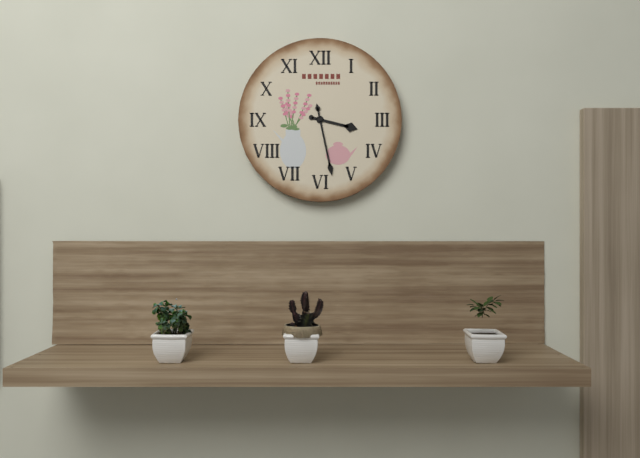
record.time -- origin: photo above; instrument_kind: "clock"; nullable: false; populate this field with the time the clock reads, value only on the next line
3:28
